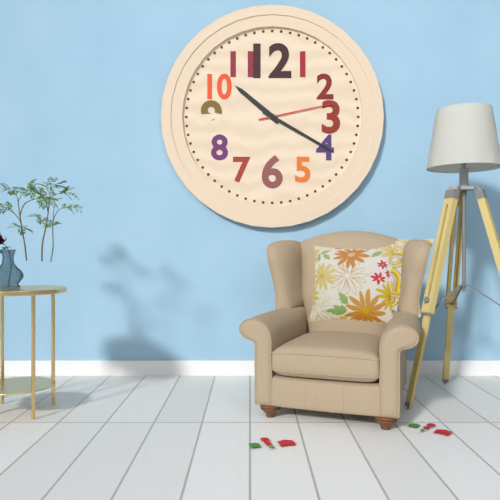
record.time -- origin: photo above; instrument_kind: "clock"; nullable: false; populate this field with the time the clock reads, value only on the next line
10:20:13
